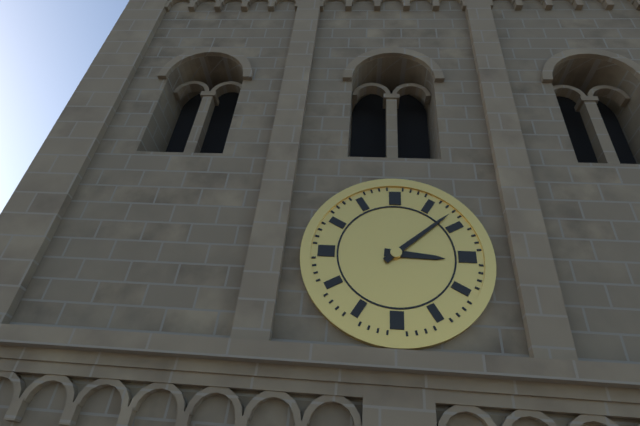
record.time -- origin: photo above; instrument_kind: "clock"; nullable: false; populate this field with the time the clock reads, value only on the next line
3:08
